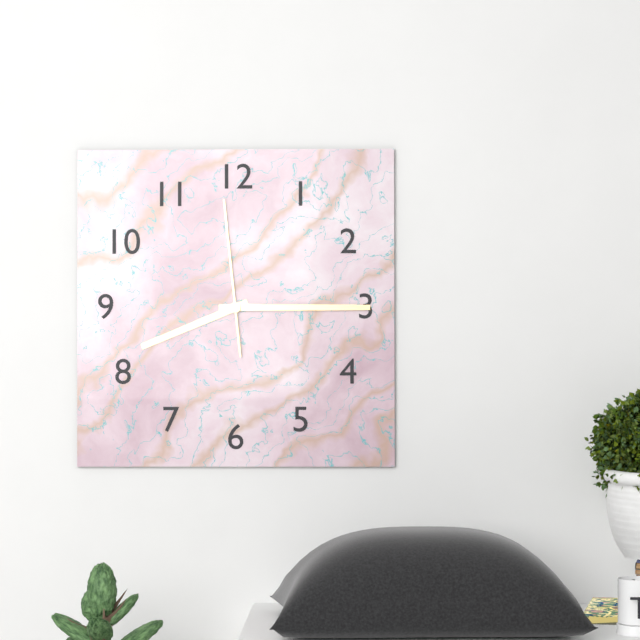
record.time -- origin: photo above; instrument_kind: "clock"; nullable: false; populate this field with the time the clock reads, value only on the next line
8:15:59
